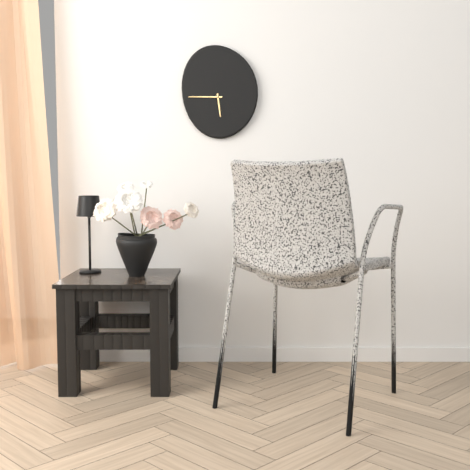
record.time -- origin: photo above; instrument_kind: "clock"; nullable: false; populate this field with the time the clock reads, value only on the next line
5:45
